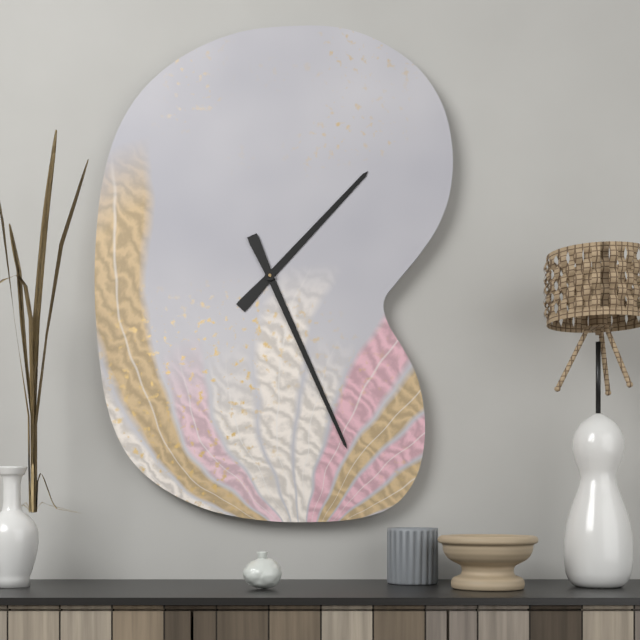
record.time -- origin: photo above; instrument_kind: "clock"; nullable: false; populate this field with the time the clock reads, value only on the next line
1:26
